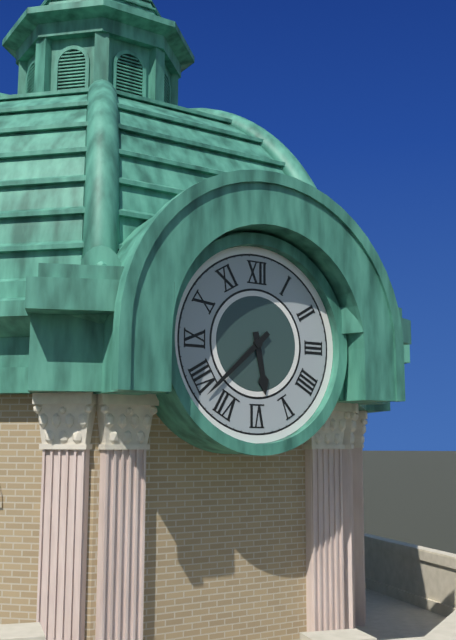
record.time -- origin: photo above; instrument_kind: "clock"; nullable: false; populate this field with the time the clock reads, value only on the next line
5:38
